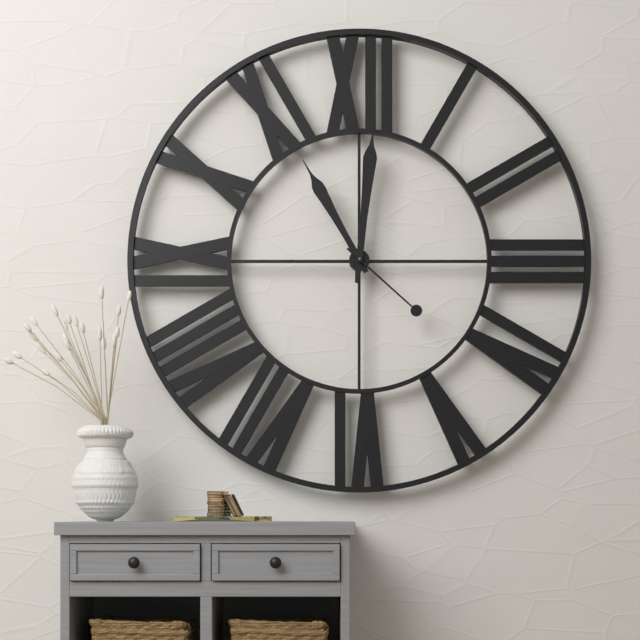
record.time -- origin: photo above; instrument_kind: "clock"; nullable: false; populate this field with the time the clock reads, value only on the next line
11:01:22
